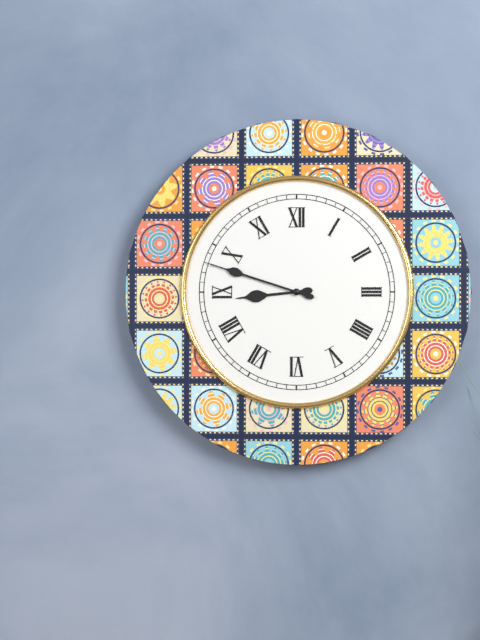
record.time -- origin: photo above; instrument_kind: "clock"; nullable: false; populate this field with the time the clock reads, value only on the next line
8:48
